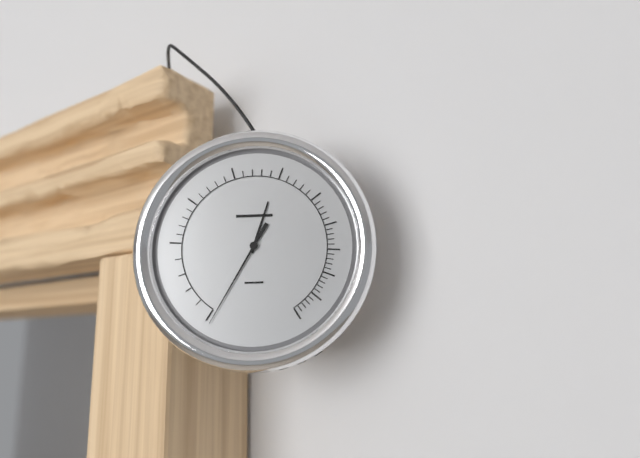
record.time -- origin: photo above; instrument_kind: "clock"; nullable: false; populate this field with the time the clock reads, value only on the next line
12:35
